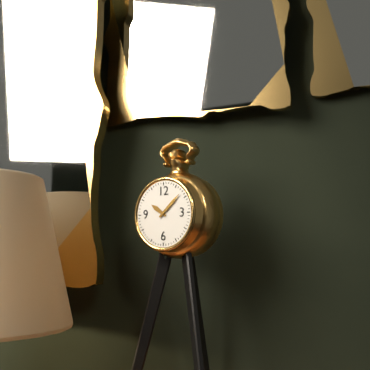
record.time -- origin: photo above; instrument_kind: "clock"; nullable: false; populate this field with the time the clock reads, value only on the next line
10:08
